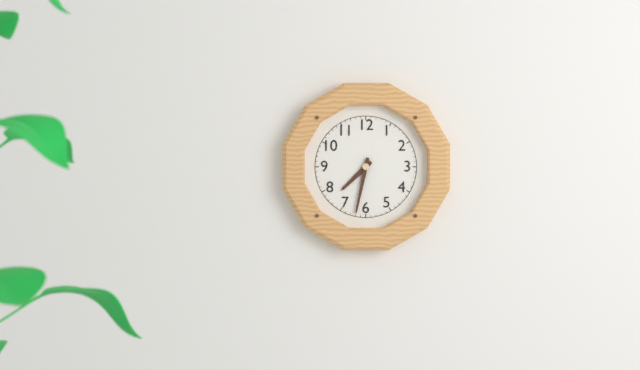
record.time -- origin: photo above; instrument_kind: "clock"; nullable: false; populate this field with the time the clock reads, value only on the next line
7:32
